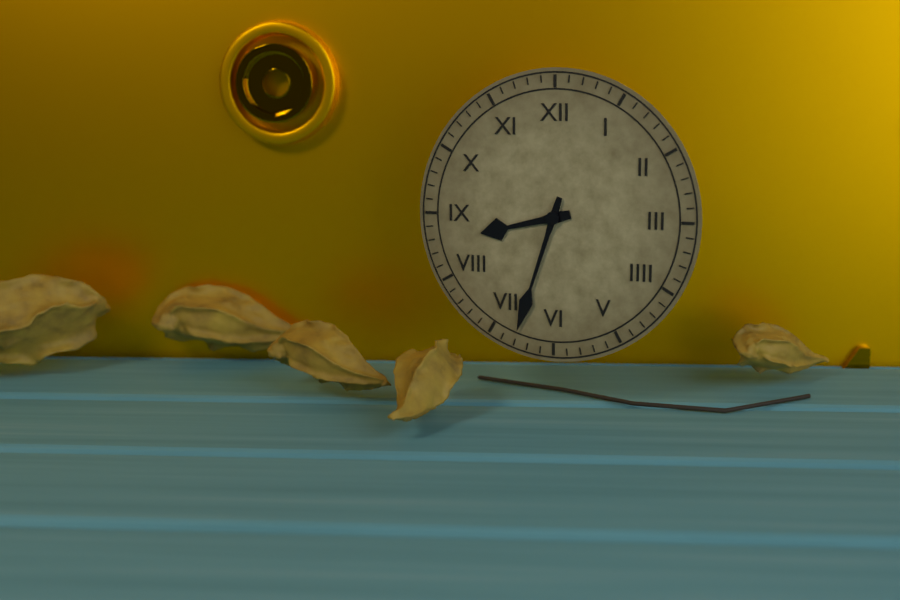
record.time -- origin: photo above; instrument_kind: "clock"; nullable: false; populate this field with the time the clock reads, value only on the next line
8:33
